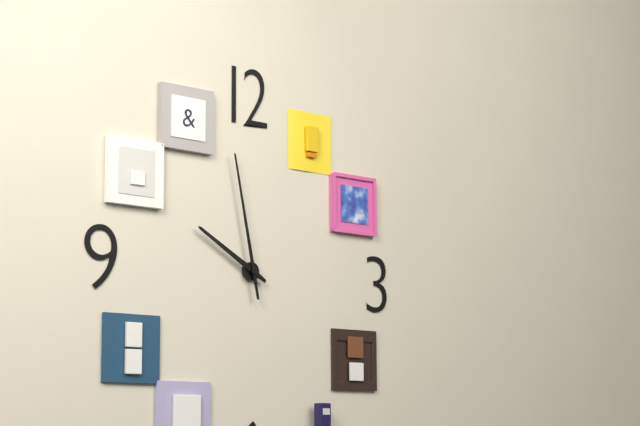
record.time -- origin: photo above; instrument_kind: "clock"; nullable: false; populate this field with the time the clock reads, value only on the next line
9:58
